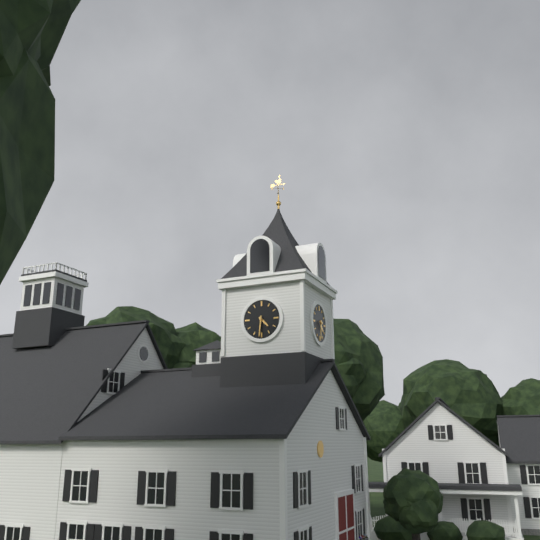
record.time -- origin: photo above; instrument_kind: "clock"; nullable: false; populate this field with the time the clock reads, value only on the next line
4:31
